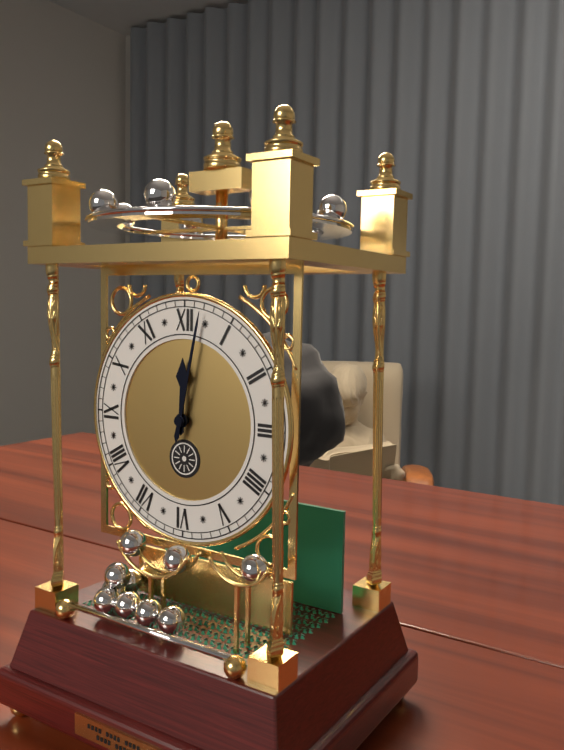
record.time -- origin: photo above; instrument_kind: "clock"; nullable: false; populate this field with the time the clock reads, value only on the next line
12:02
